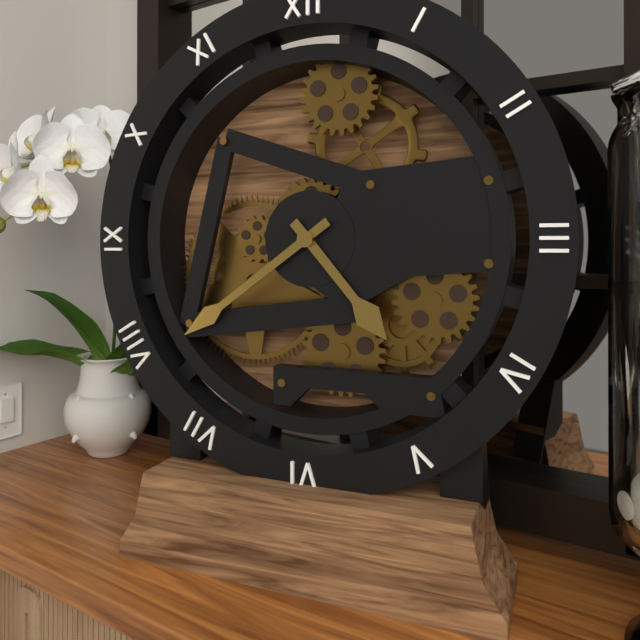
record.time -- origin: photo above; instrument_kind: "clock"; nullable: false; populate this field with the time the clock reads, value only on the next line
4:39
